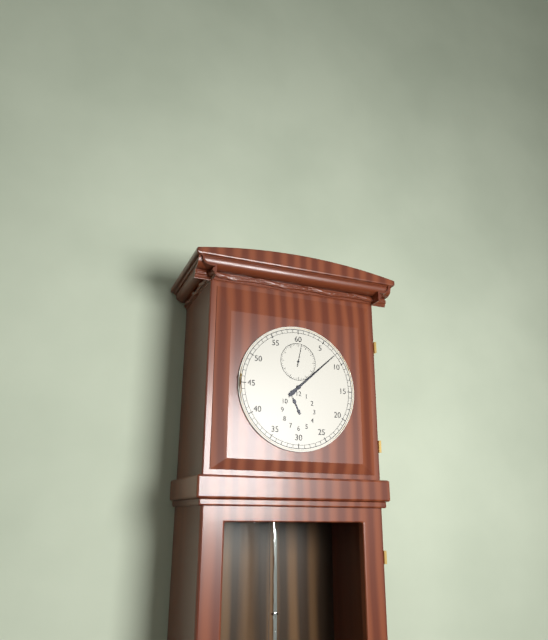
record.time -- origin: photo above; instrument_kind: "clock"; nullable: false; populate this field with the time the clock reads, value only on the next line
11:08
